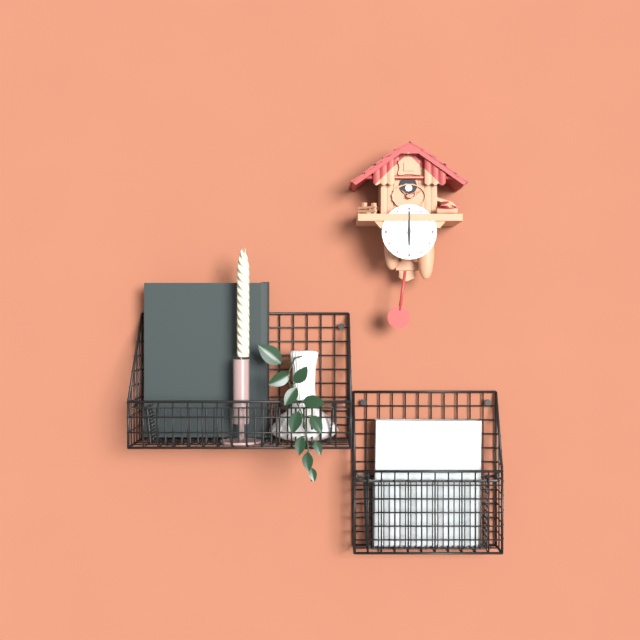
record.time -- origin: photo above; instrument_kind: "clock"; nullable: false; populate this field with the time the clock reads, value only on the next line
6:00
